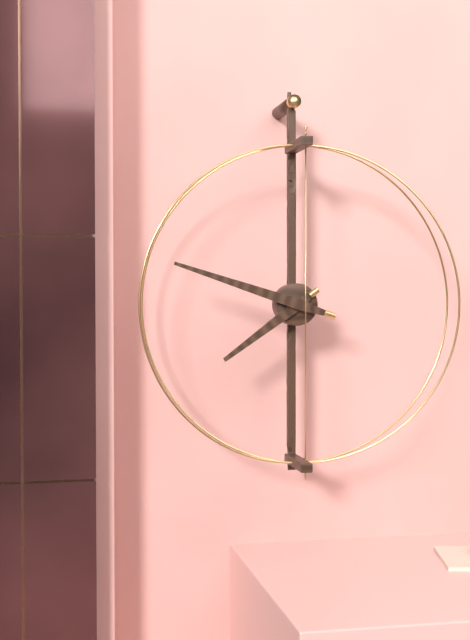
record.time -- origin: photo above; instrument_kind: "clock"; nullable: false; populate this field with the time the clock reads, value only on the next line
7:48
